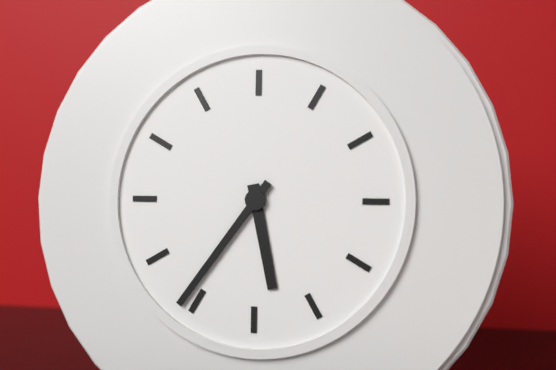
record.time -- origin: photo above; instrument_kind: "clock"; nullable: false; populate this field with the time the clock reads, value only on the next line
5:36
